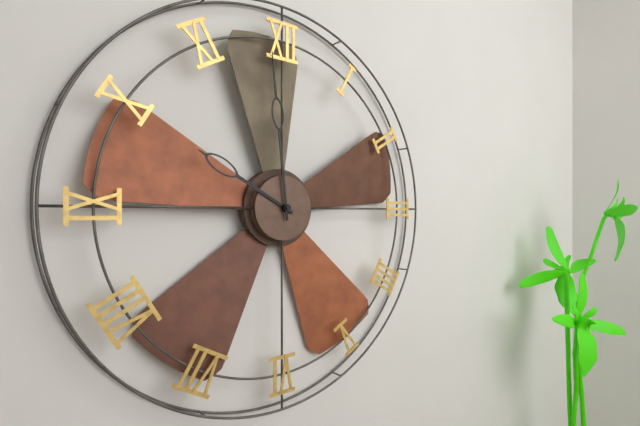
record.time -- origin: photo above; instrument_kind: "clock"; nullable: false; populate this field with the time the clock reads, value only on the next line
9:59
